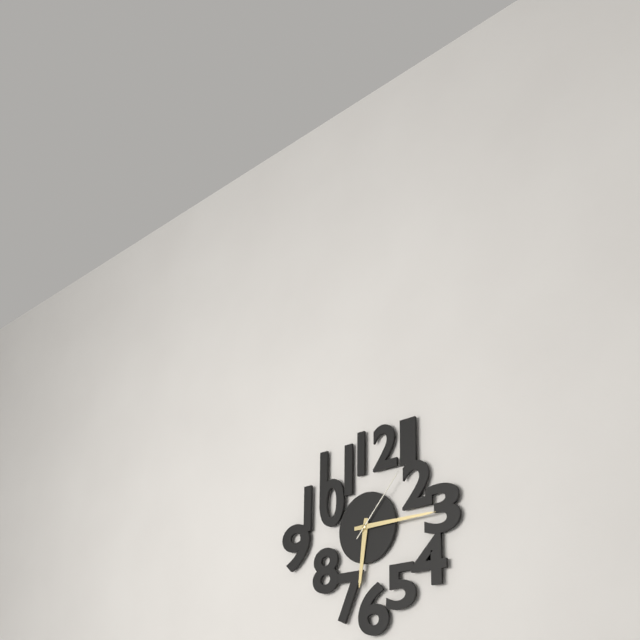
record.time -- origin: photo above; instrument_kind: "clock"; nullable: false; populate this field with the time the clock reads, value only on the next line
6:15:07
